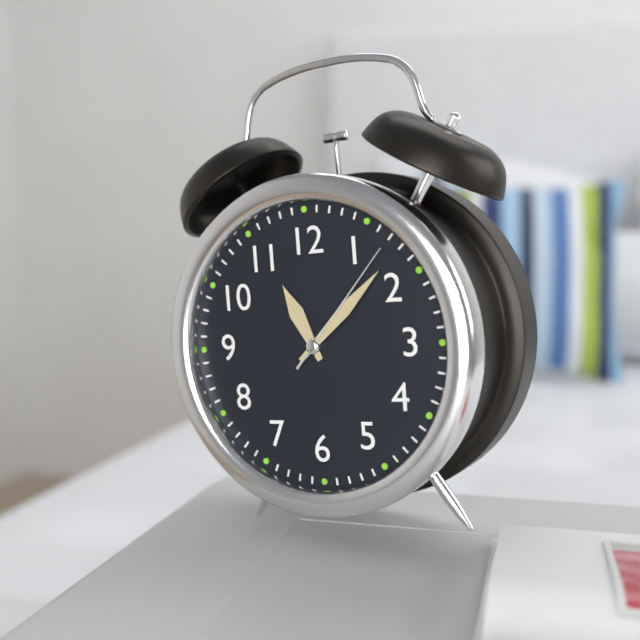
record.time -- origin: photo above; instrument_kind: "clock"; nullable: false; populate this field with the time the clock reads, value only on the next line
11:08:07
